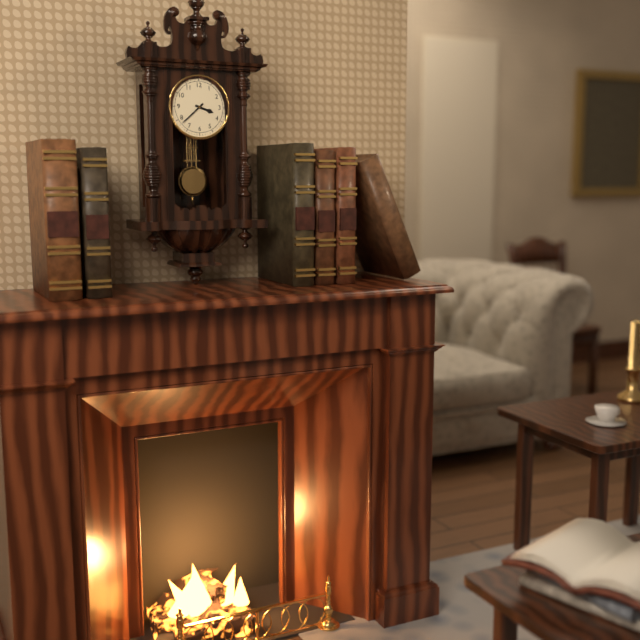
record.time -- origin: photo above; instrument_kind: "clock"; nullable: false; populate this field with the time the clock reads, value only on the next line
3:38
